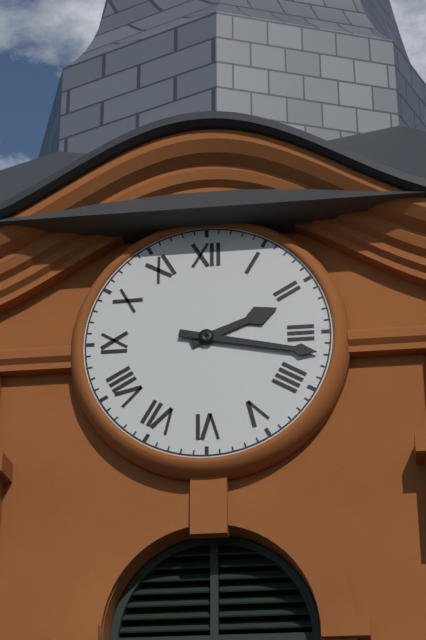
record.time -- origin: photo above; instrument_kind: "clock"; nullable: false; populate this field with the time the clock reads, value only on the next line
2:17
